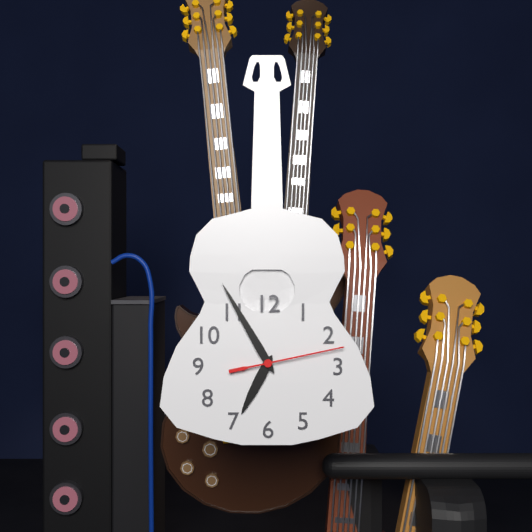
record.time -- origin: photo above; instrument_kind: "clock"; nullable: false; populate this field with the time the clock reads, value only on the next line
6:55:13
